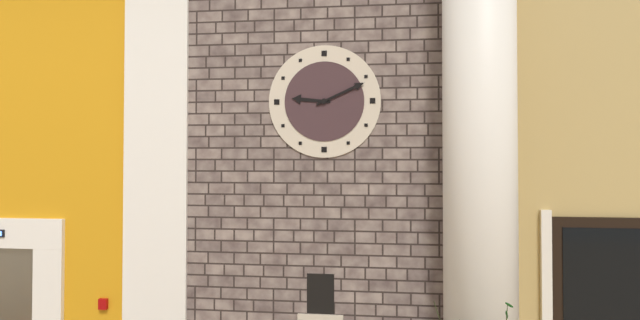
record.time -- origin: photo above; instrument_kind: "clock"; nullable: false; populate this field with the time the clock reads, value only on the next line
9:11
